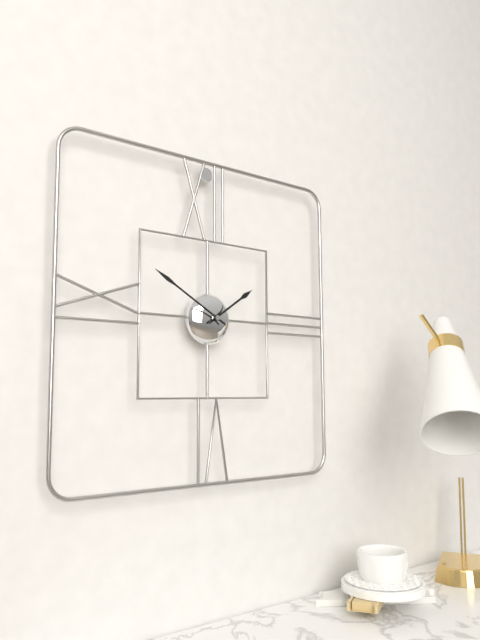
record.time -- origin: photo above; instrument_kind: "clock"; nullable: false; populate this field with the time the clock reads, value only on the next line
1:50
